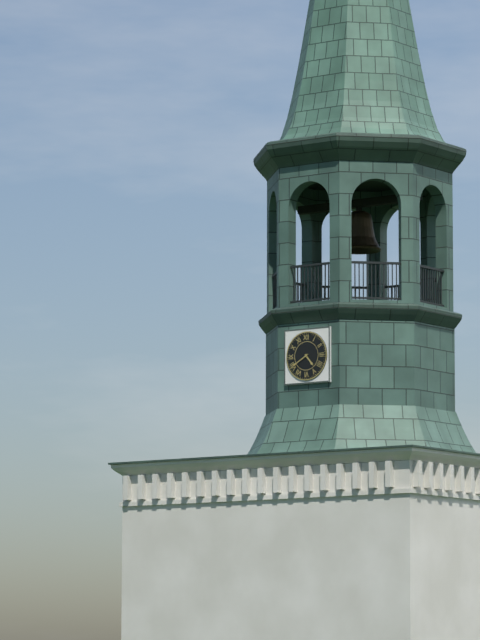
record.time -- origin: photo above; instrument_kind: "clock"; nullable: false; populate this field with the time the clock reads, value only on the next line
4:40
